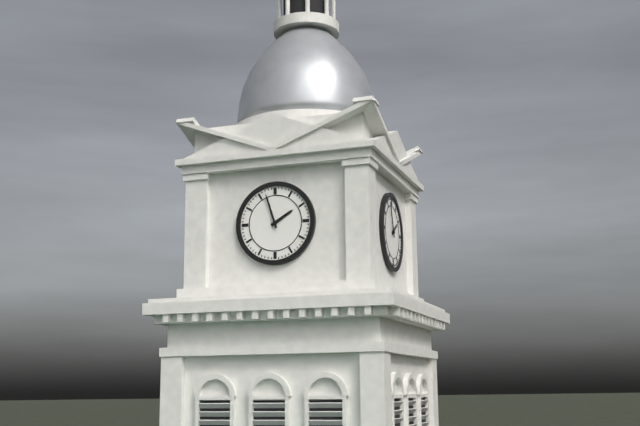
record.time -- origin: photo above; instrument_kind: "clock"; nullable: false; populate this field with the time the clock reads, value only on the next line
1:57
